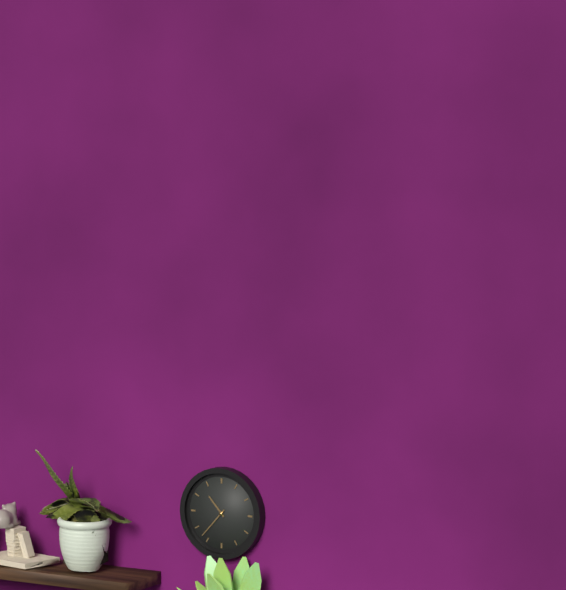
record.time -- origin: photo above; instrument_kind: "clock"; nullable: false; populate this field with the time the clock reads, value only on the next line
10:37
